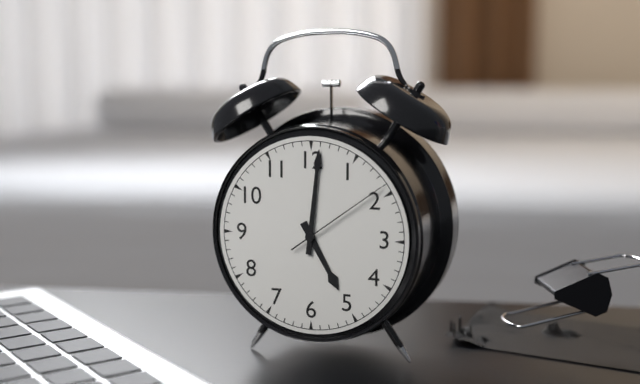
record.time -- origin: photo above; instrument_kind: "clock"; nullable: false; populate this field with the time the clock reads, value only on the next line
5:01:09
